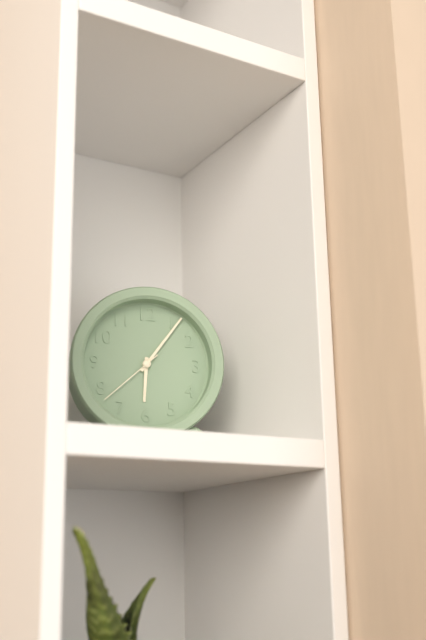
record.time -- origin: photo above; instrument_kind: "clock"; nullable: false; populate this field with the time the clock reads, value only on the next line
6:06:38
